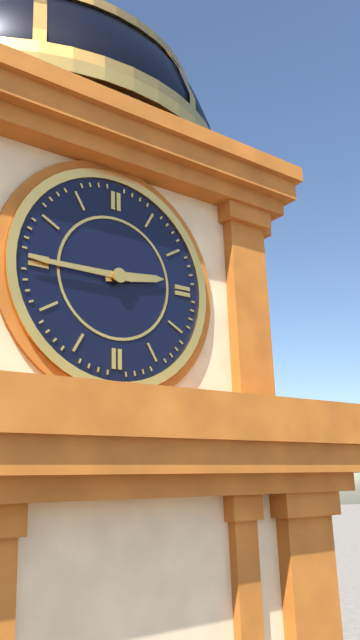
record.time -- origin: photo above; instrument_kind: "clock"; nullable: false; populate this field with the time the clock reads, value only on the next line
2:45
